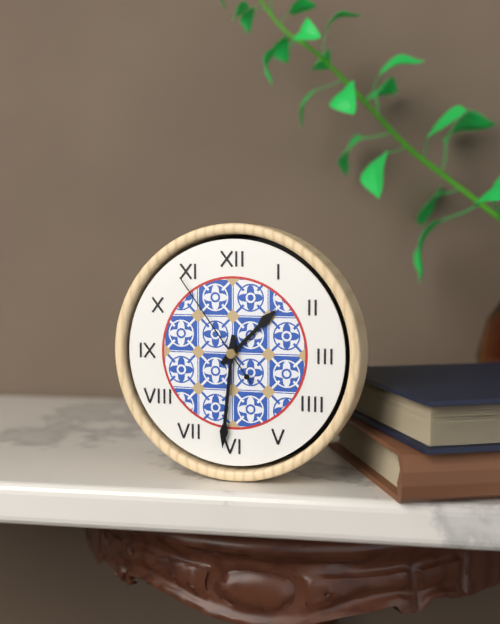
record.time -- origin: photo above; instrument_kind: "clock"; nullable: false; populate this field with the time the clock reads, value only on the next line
1:31:54
